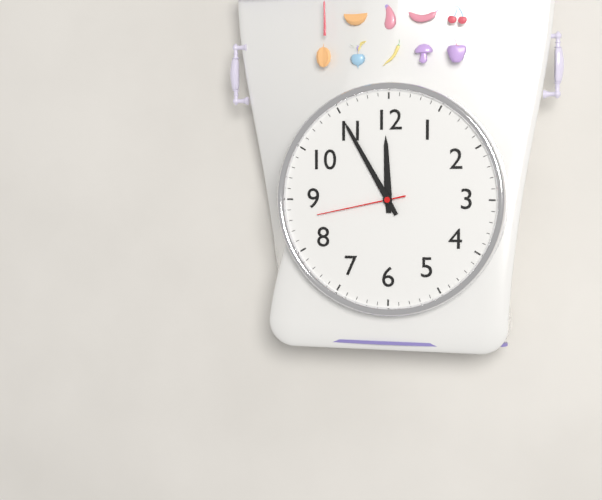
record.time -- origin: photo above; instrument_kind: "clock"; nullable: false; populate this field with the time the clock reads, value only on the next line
11:55:43
